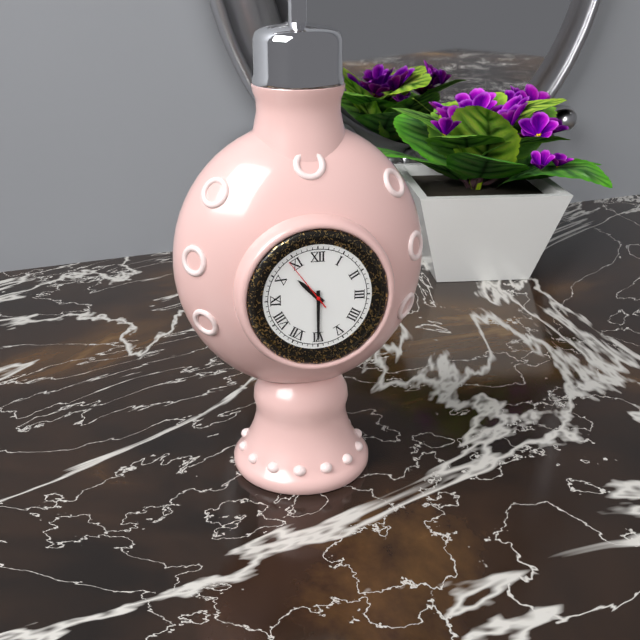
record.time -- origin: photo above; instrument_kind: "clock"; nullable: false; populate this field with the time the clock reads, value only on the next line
10:30:54
